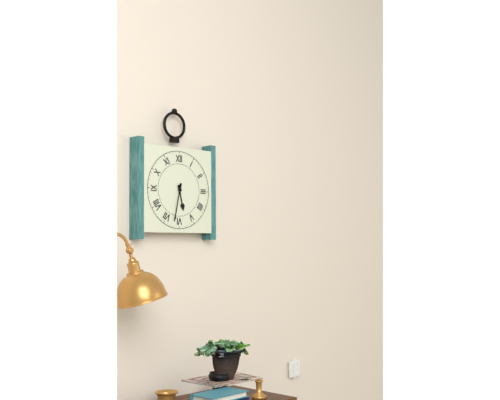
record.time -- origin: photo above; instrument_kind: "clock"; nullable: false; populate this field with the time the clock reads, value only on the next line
5:32
